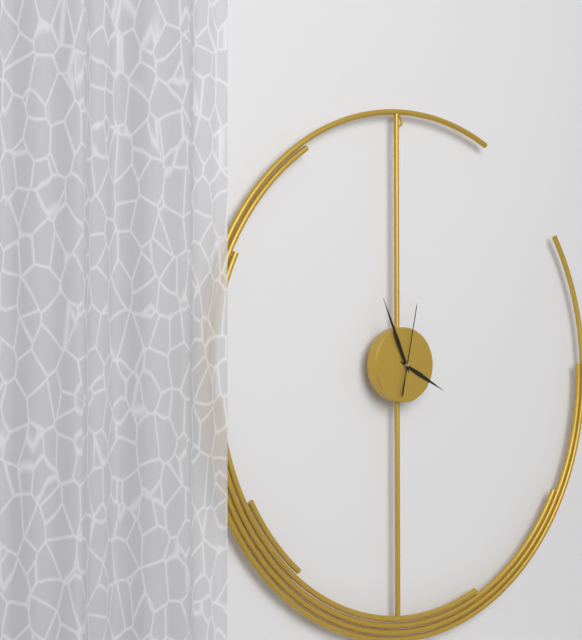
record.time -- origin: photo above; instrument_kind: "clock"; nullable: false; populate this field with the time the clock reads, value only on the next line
3:56:02
